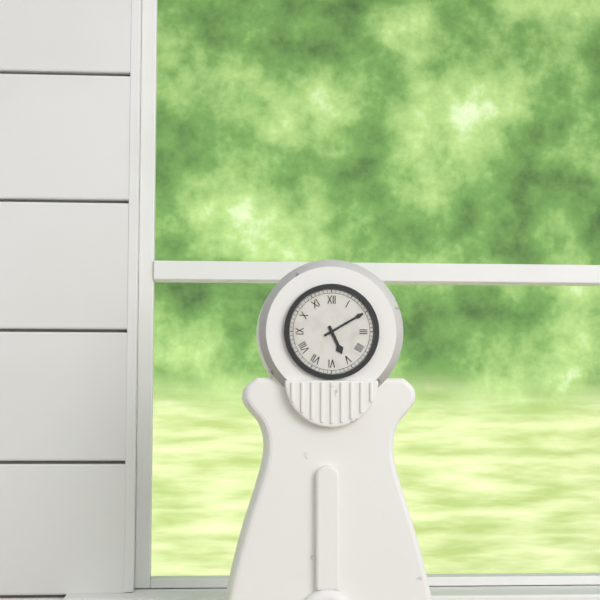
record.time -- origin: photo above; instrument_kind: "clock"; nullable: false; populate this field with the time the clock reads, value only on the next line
5:10
